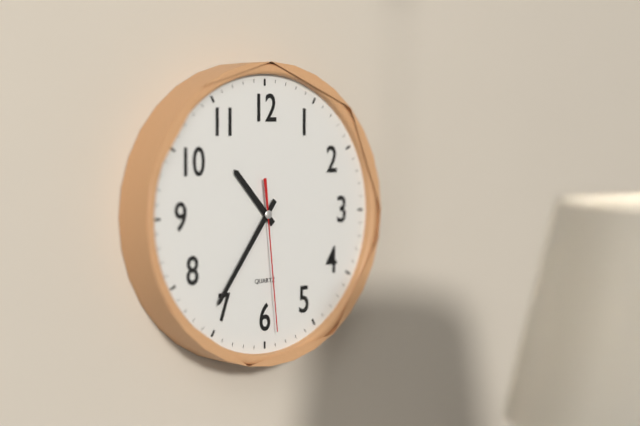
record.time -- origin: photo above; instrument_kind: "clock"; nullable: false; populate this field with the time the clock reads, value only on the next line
10:36:29
